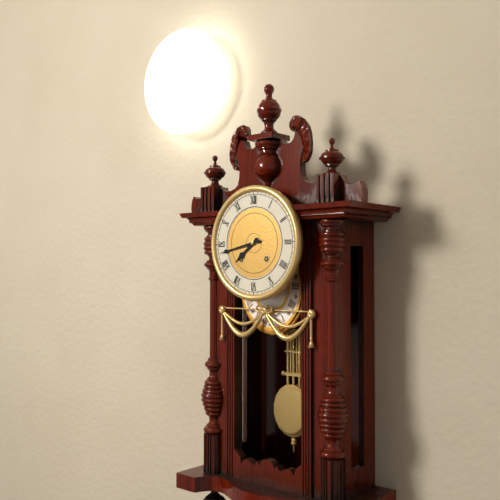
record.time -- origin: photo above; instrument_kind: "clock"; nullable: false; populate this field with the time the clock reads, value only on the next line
7:43
